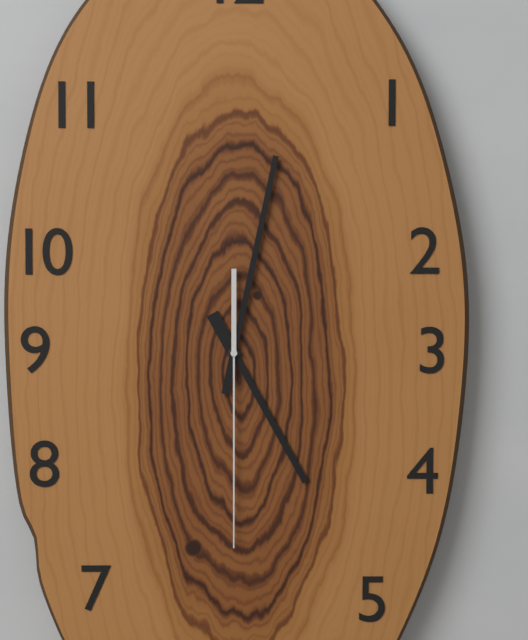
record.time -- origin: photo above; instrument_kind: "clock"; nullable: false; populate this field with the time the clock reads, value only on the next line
5:02:30
